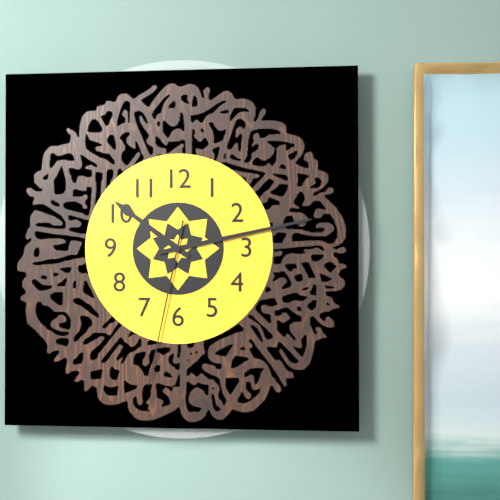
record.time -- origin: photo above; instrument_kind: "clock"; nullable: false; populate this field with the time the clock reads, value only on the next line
10:13:32
